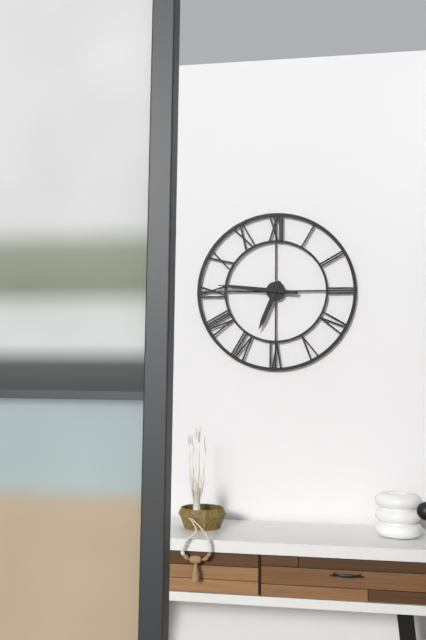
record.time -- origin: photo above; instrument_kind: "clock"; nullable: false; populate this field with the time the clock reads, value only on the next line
6:46
